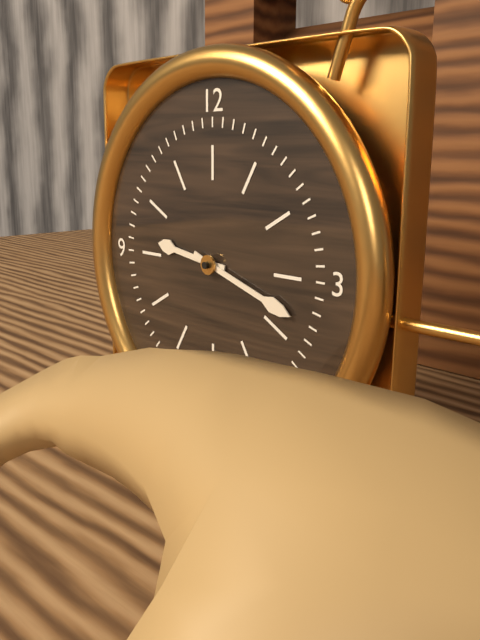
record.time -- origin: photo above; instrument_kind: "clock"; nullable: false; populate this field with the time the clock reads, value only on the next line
9:18
